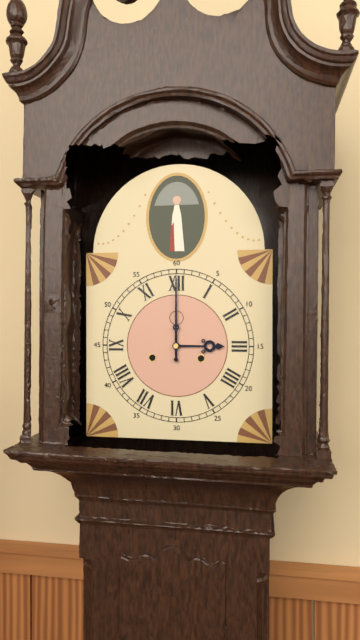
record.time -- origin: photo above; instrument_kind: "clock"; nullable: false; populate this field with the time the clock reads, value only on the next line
3:00
